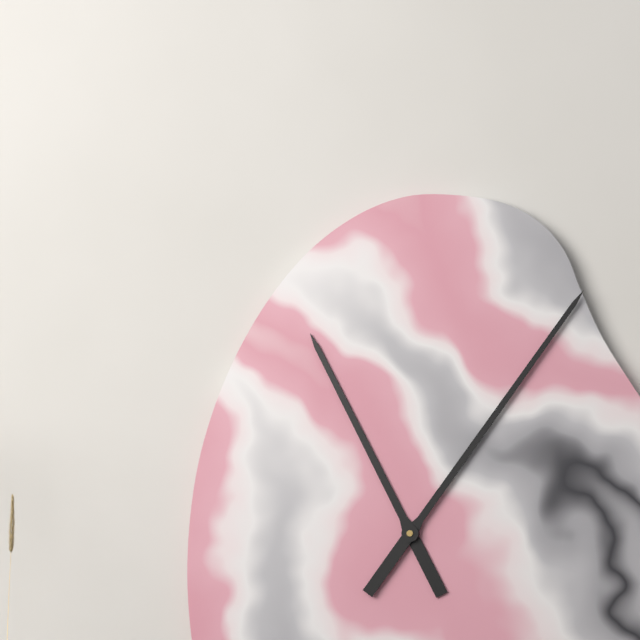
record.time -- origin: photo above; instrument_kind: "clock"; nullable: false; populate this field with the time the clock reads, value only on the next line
11:06
